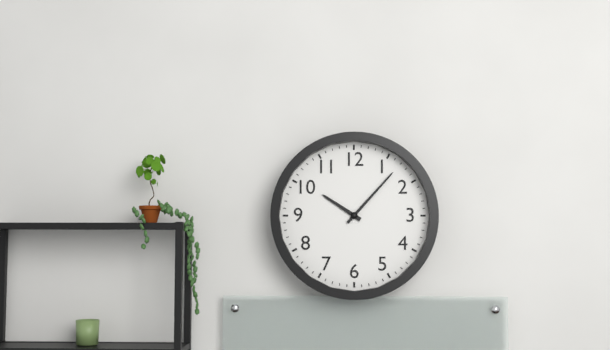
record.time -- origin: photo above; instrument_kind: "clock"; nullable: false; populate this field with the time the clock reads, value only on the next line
10:07
